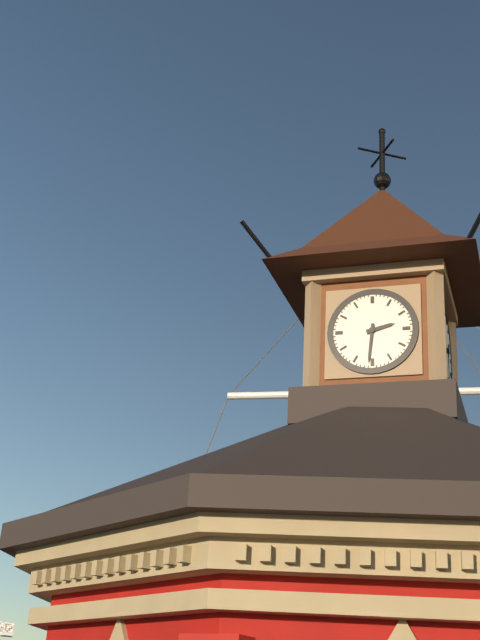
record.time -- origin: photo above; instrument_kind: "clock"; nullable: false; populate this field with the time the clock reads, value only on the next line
2:31
